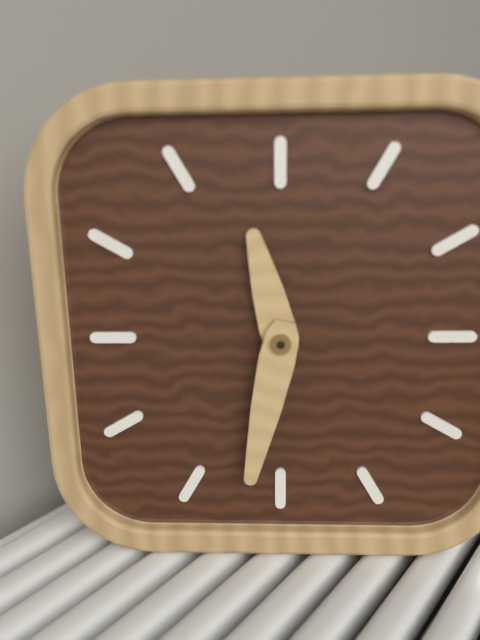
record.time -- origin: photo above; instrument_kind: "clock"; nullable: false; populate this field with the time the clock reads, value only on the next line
11:32
